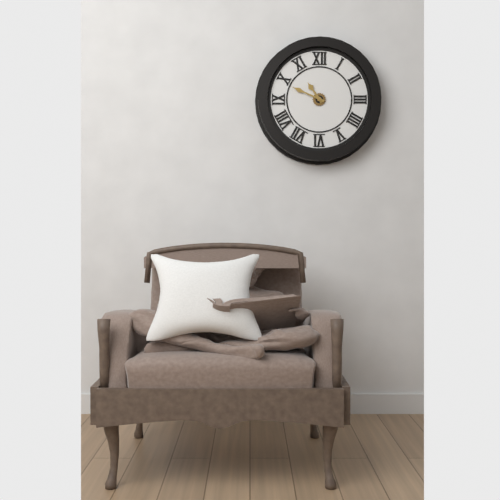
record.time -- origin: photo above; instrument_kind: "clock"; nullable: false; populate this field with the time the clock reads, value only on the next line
10:49
